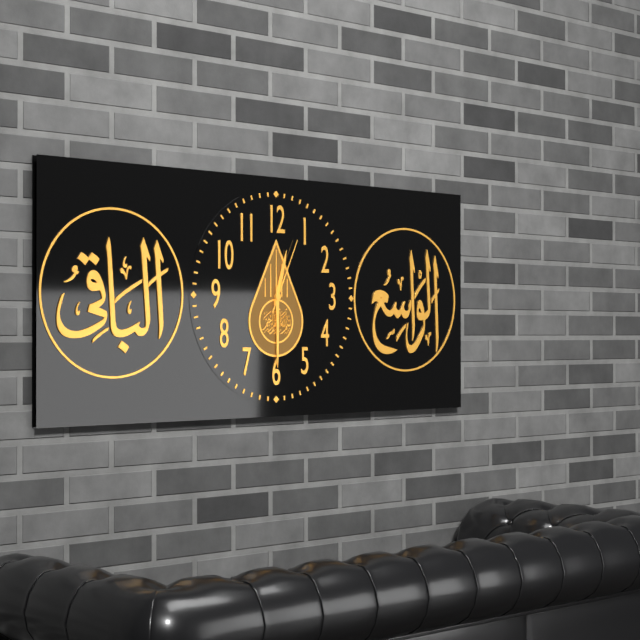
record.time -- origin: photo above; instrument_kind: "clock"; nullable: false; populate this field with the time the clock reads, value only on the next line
12:30:04
